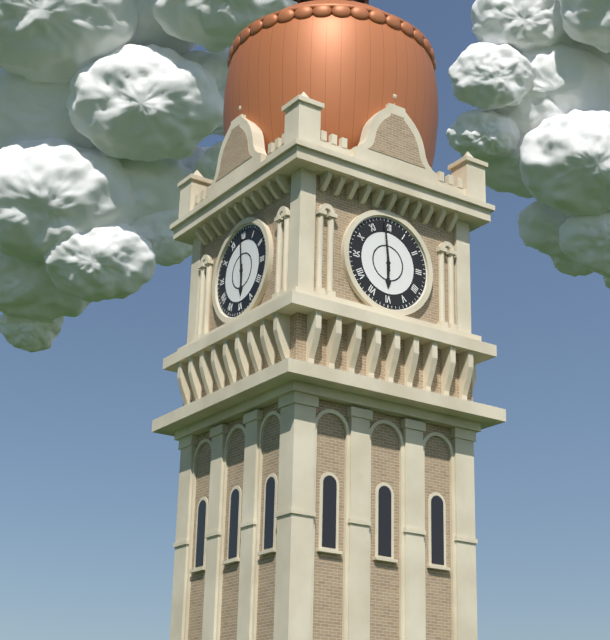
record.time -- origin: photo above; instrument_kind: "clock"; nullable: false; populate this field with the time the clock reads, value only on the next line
5:59
